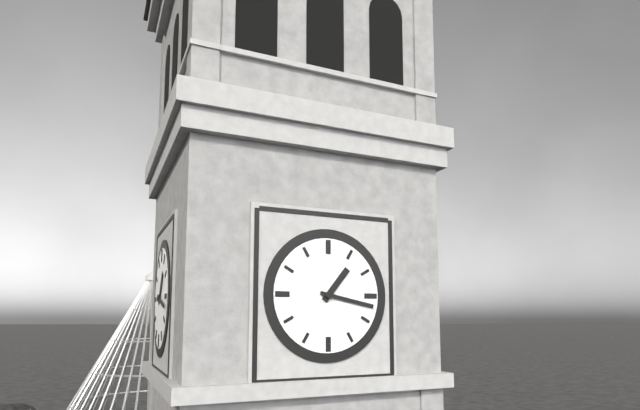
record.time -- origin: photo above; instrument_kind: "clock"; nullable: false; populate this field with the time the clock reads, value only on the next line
1:17
